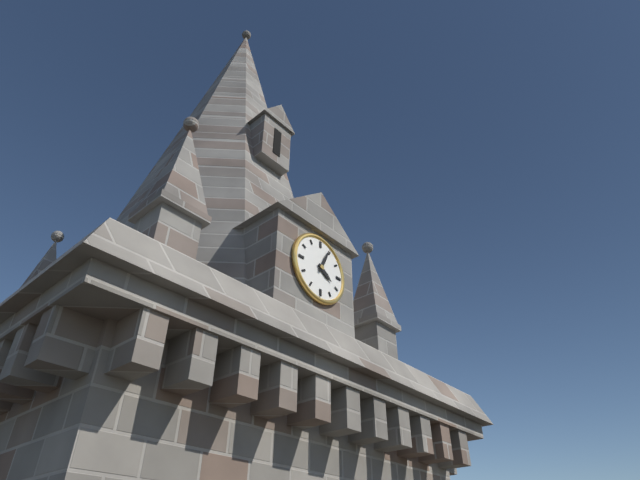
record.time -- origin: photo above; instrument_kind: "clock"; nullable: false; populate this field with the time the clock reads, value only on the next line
4:04
